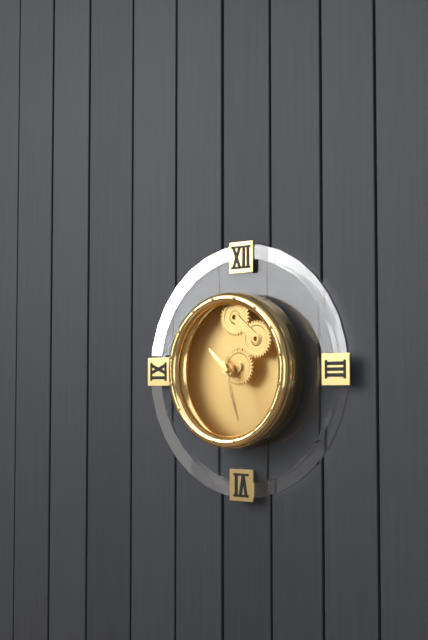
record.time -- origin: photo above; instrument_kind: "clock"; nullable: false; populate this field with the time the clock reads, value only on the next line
10:27
